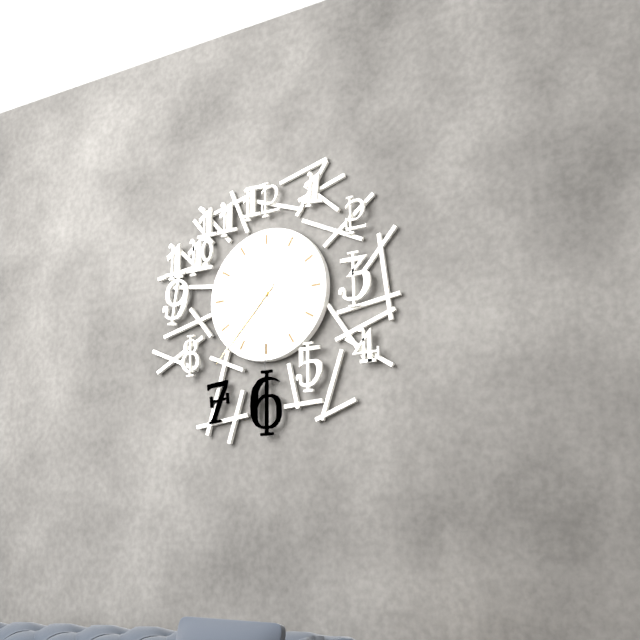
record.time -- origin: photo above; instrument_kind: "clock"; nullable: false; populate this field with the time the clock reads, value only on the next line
9:37:30
